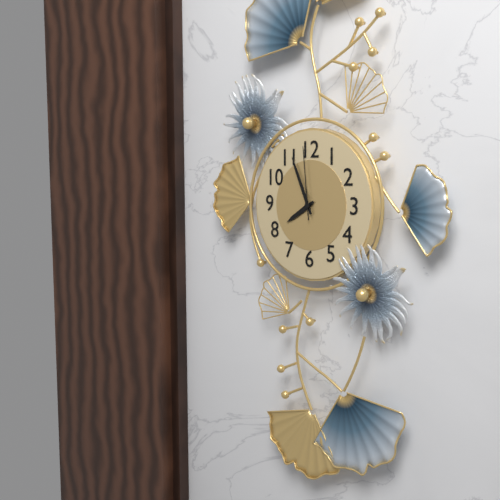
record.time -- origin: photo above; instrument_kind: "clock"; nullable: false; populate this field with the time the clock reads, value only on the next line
7:56:59
